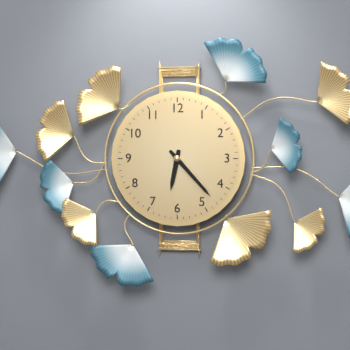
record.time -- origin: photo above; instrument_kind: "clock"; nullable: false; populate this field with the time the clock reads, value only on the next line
6:23
